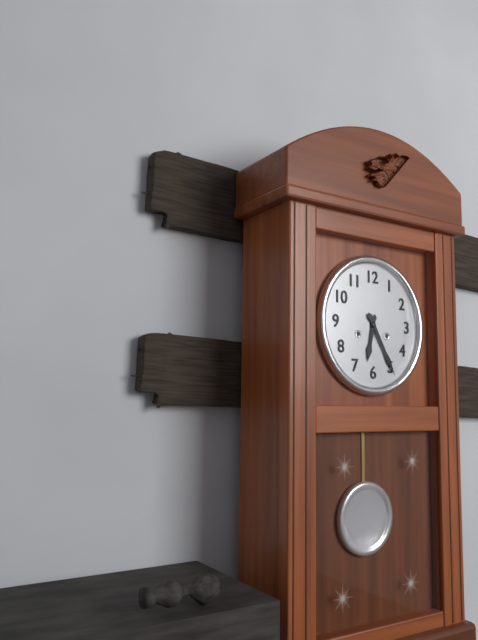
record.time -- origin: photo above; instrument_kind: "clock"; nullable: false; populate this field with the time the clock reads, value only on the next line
6:25
